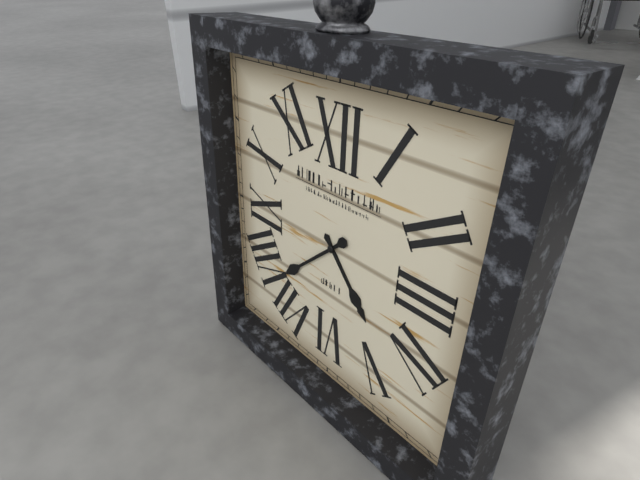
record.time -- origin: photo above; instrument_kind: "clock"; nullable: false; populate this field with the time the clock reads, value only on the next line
4:38
